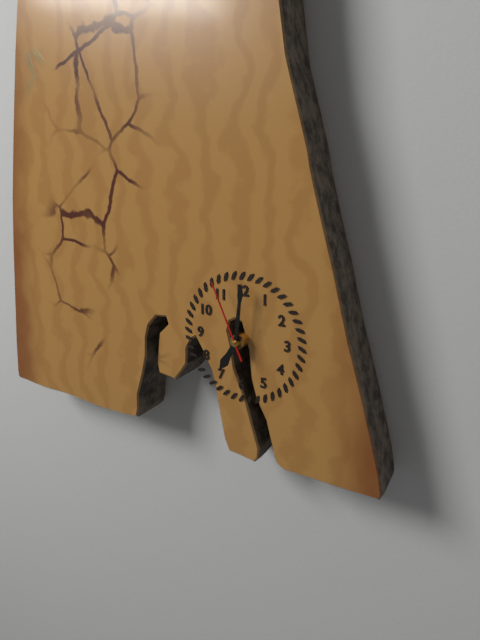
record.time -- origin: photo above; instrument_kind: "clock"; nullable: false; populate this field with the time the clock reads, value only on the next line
7:01:56
